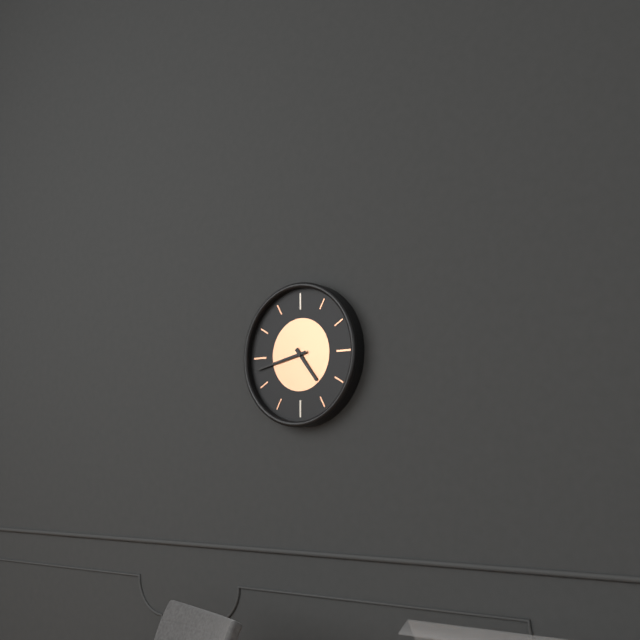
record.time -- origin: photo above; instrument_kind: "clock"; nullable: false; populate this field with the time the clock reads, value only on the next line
4:43
